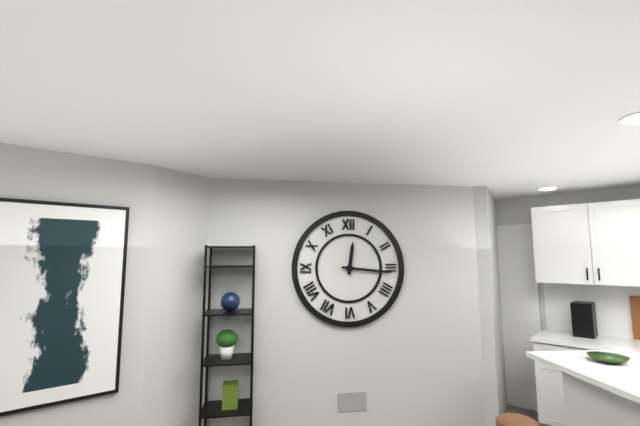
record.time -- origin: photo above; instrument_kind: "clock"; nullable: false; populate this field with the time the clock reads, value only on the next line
12:16
